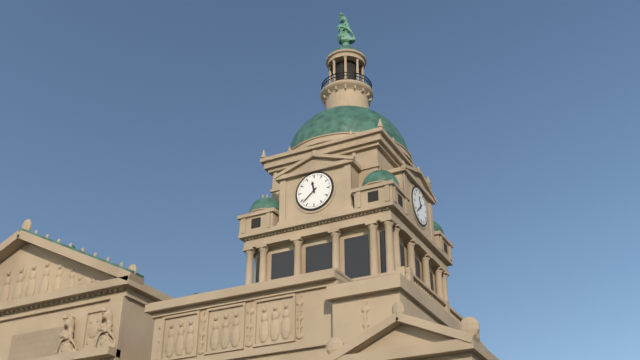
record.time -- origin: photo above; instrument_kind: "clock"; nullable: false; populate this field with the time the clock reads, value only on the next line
11:38
